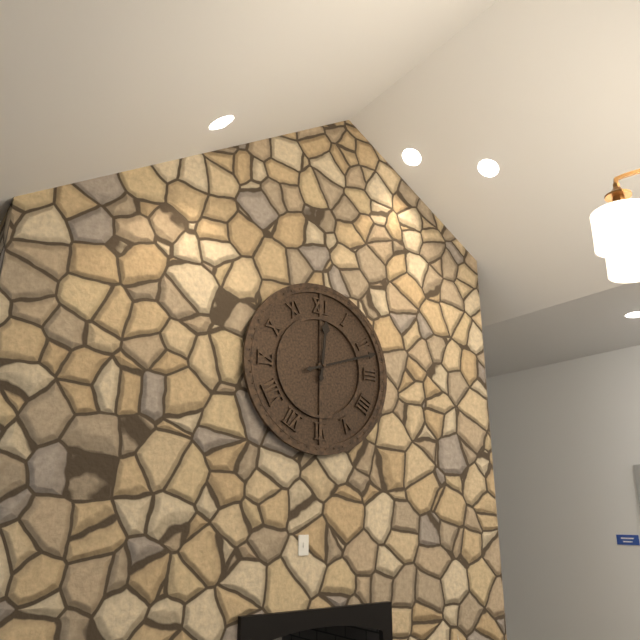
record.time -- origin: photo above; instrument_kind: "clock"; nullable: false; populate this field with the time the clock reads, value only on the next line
12:12
